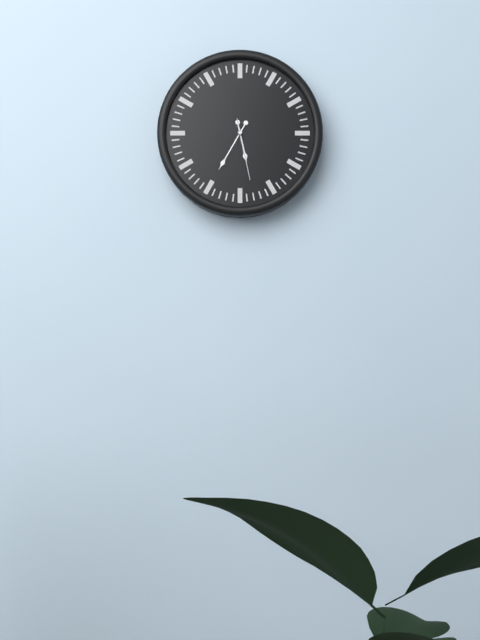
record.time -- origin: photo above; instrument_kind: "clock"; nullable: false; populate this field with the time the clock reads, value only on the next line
5:35:28
